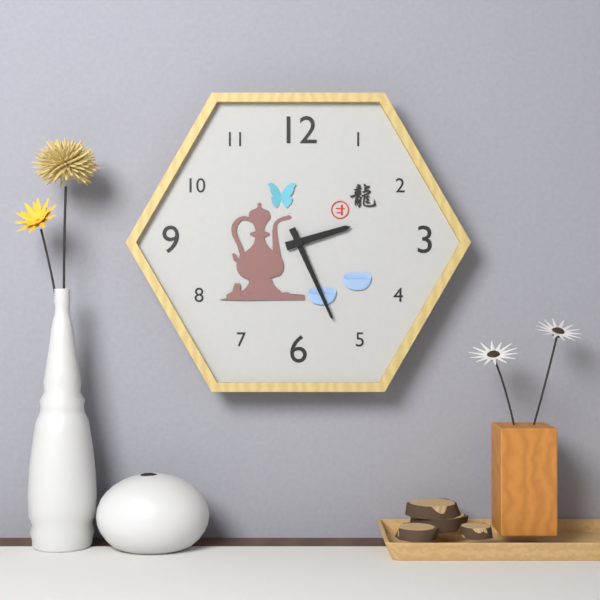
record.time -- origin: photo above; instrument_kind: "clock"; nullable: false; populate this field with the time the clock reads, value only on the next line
2:26
